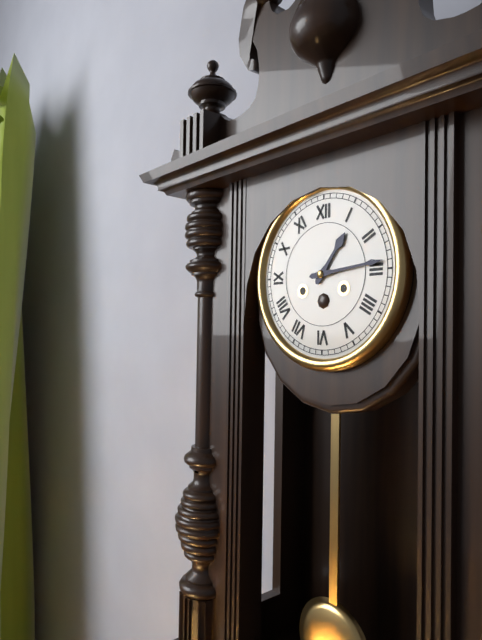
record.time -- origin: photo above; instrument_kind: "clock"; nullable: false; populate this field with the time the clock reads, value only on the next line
1:14
